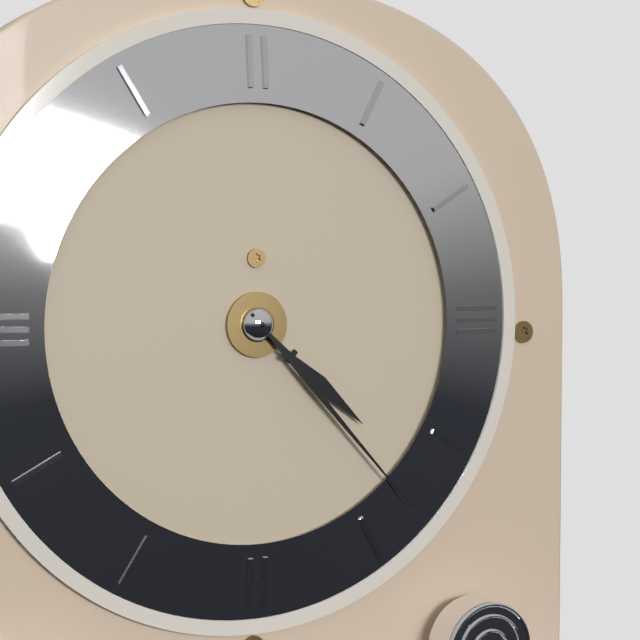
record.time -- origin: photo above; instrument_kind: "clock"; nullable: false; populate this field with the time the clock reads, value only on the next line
4:23
